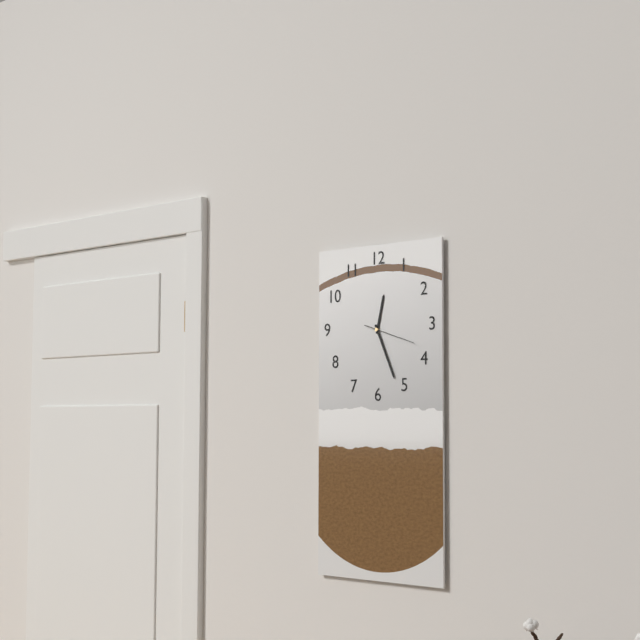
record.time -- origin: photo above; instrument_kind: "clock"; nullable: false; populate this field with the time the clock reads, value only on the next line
12:26
